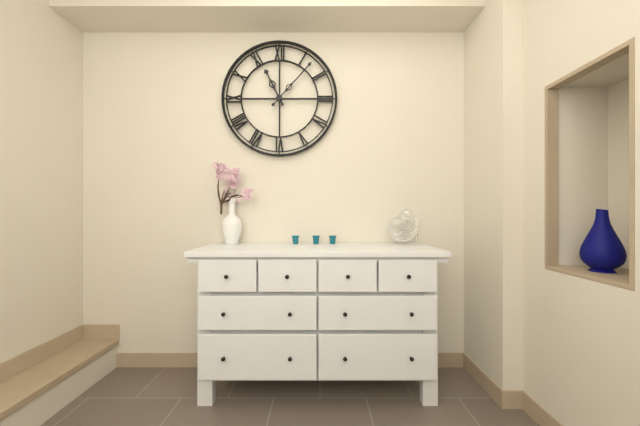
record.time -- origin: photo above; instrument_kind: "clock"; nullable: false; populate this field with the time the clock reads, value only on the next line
11:07
